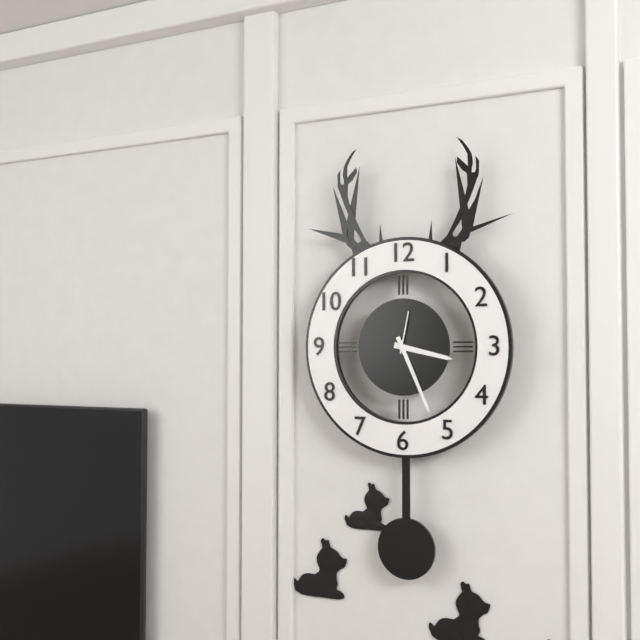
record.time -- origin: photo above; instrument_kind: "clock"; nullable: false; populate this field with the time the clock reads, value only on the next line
3:26
